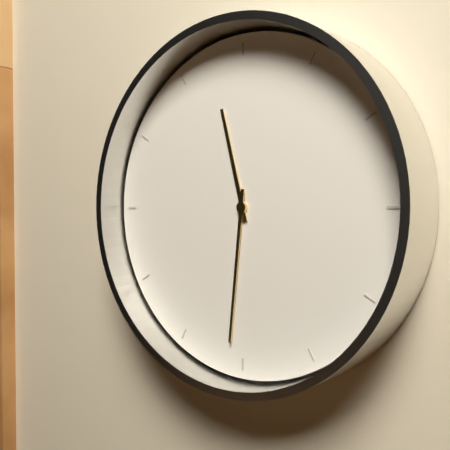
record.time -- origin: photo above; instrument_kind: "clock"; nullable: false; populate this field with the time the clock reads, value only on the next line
11:31
